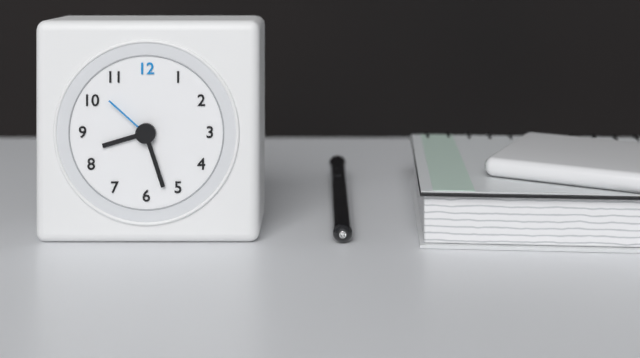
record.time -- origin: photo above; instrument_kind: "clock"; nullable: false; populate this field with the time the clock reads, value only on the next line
8:27:52
